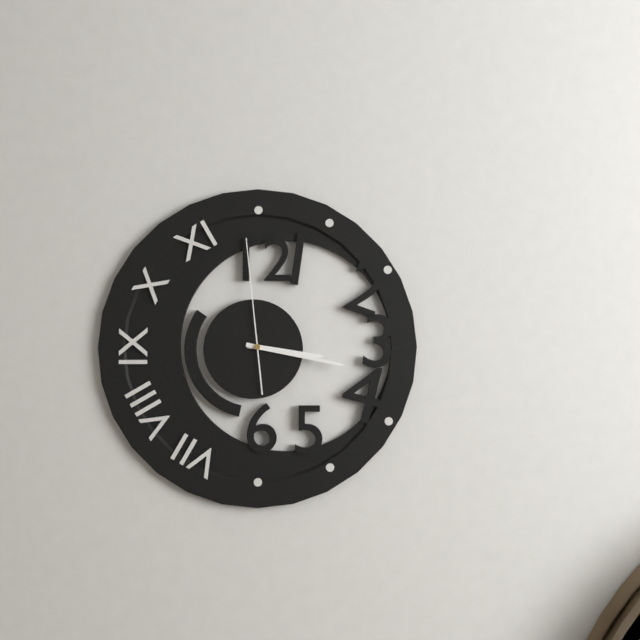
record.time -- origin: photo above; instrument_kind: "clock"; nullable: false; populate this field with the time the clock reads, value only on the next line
3:17:59
